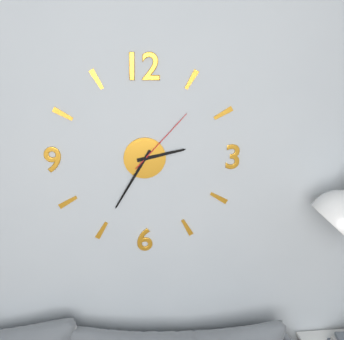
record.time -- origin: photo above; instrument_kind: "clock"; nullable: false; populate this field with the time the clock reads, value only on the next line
2:35:07
